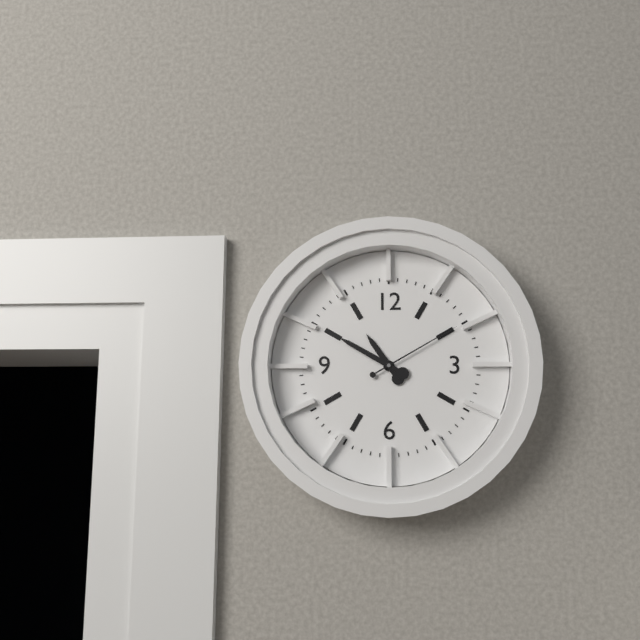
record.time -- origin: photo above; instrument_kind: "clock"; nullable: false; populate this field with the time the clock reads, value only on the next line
10:50:10
